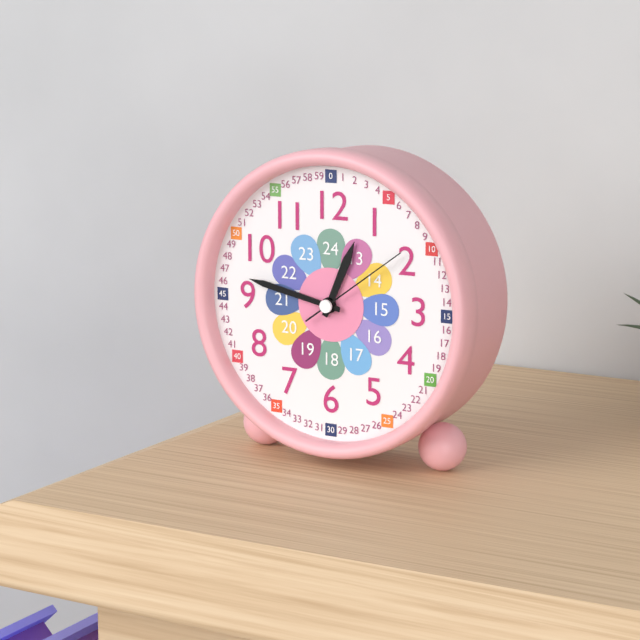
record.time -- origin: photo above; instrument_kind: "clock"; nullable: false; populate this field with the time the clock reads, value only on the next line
12:47:09
